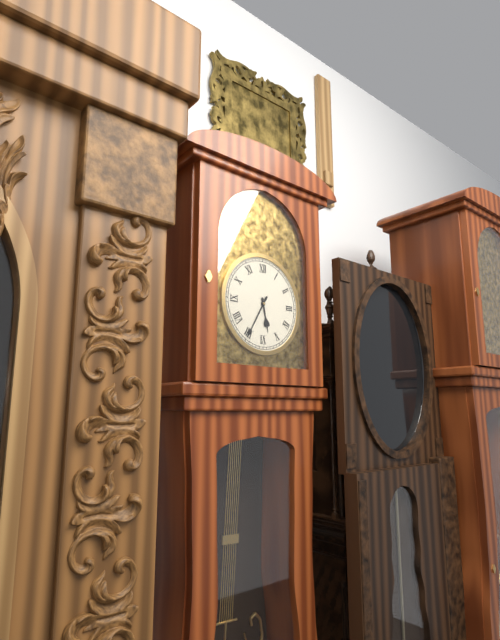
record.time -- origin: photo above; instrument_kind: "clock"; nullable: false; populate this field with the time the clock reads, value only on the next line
5:35
